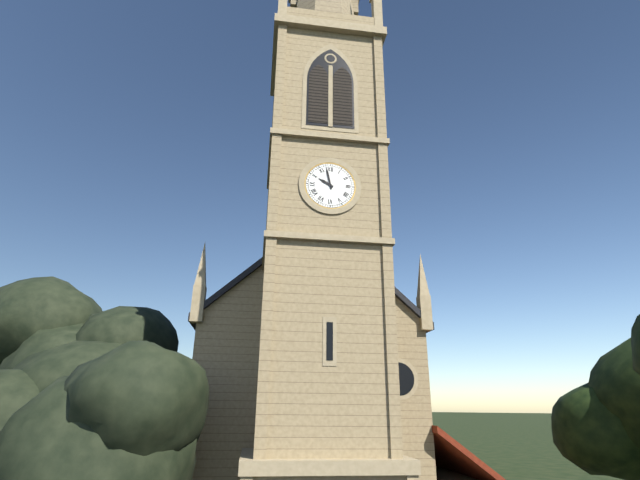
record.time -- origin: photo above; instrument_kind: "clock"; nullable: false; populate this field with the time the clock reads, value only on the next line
9:58
